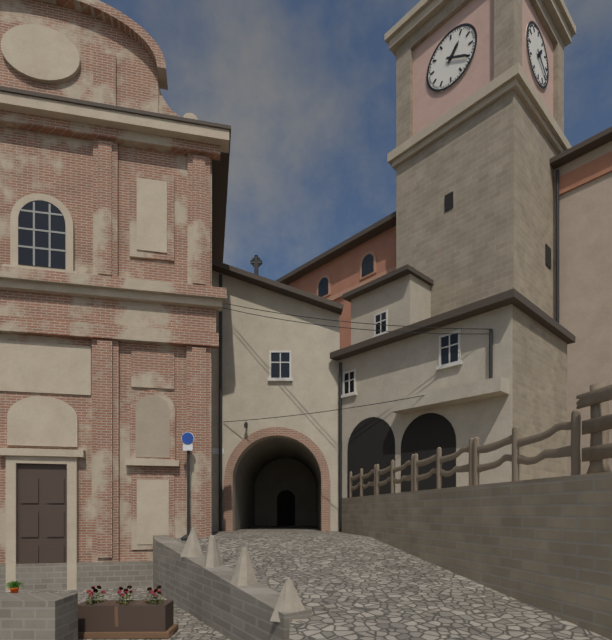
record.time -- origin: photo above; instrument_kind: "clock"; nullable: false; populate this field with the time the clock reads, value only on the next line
1:20
